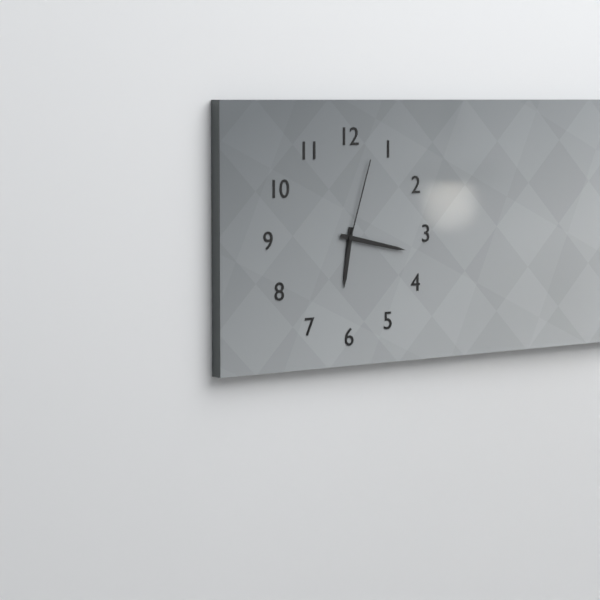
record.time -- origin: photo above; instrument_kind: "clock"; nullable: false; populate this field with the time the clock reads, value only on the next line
6:17:03
